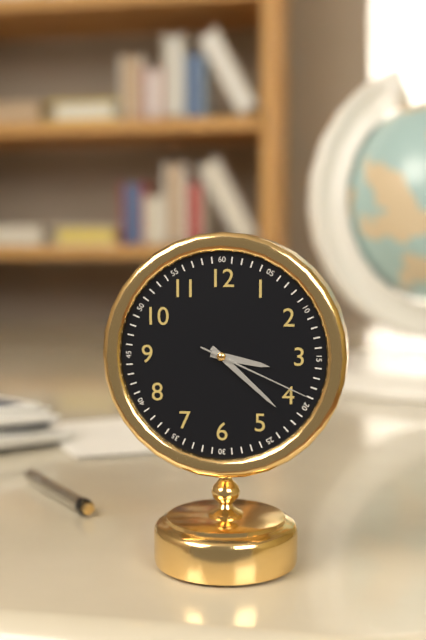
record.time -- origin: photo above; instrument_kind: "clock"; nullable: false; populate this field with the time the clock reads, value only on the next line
3:22:19
